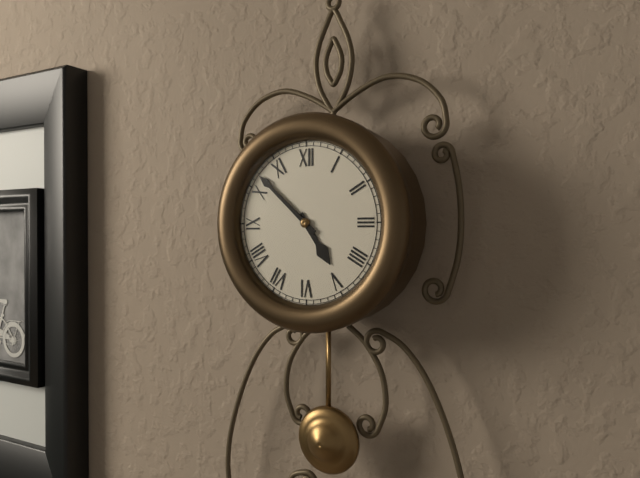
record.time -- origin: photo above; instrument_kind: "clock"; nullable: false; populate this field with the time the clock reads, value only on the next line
4:52
